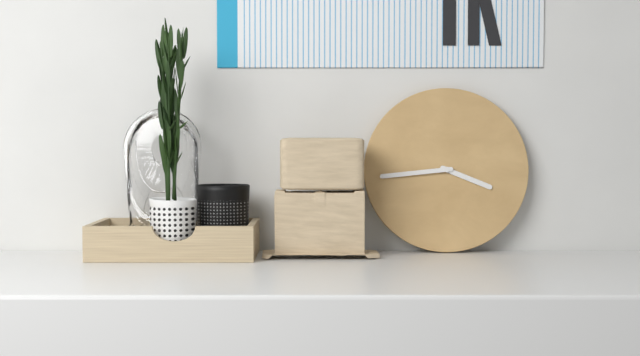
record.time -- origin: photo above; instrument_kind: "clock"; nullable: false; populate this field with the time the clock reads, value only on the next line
3:44
